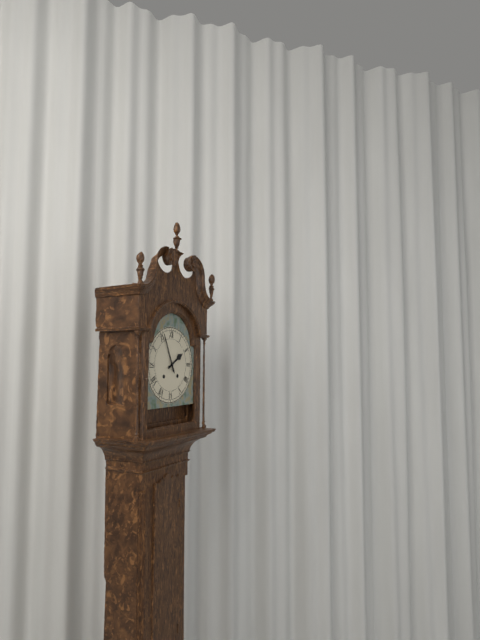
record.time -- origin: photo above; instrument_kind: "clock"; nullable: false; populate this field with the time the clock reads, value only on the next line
1:56
